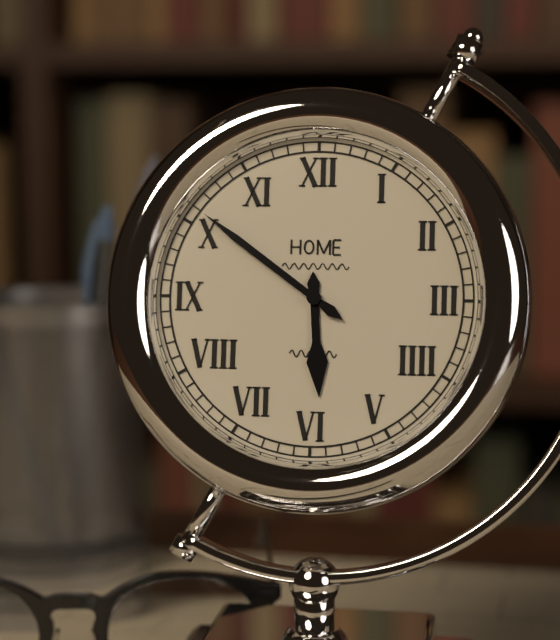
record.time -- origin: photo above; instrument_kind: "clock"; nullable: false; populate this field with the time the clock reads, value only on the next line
5:51
